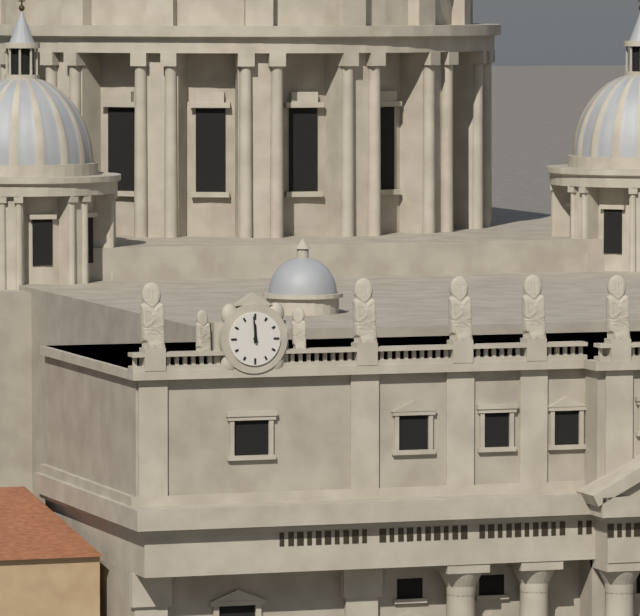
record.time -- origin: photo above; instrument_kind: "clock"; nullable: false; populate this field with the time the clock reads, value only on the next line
11:59
